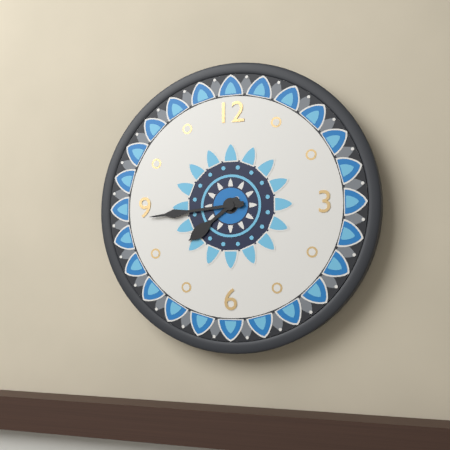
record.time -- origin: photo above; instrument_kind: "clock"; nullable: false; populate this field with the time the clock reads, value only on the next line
7:44
